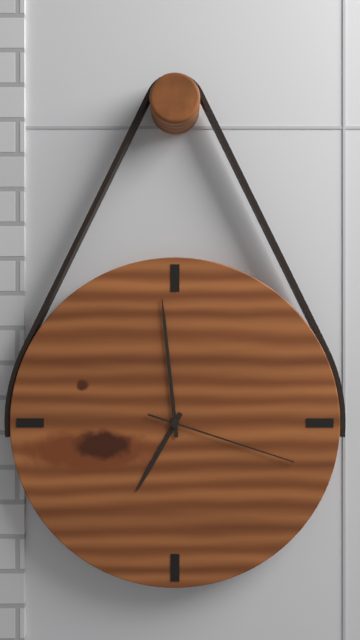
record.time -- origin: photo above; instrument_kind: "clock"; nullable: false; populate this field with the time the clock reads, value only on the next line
6:59:18
